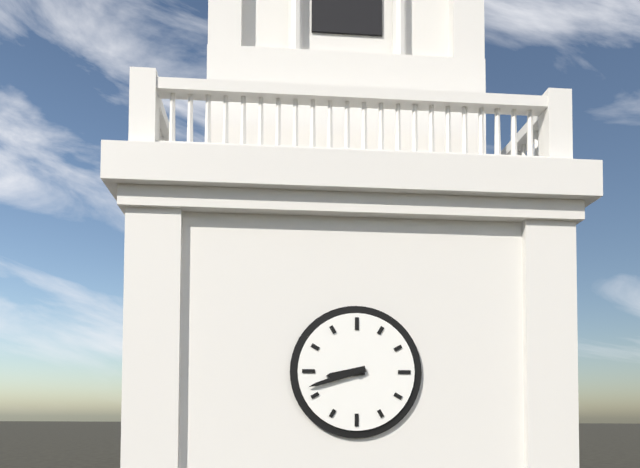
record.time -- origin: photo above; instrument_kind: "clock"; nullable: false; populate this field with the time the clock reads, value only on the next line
8:42
